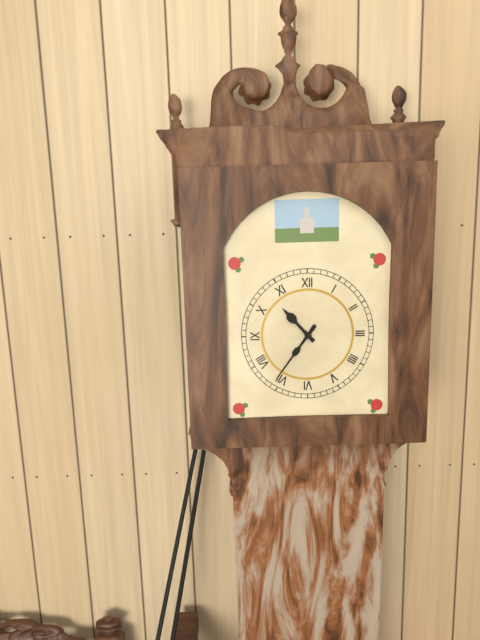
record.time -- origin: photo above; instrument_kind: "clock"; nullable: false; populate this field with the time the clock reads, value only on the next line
10:36
